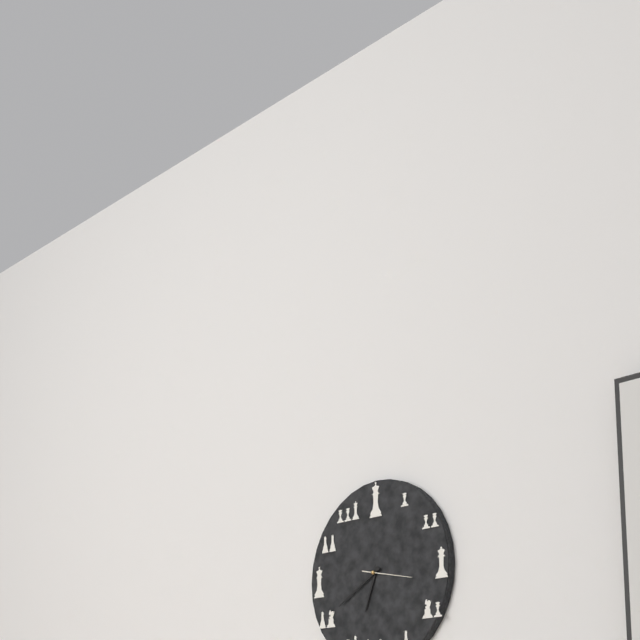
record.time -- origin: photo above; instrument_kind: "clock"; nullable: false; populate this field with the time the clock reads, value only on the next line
6:40
